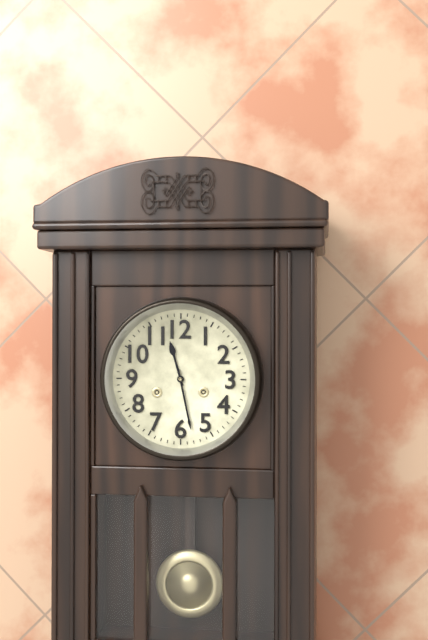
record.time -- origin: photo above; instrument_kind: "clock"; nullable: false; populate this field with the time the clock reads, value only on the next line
11:28
